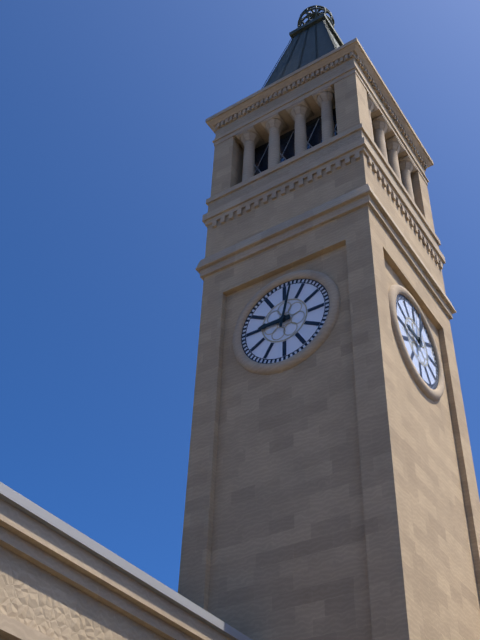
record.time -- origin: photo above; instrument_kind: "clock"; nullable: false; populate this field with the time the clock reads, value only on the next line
9:02
